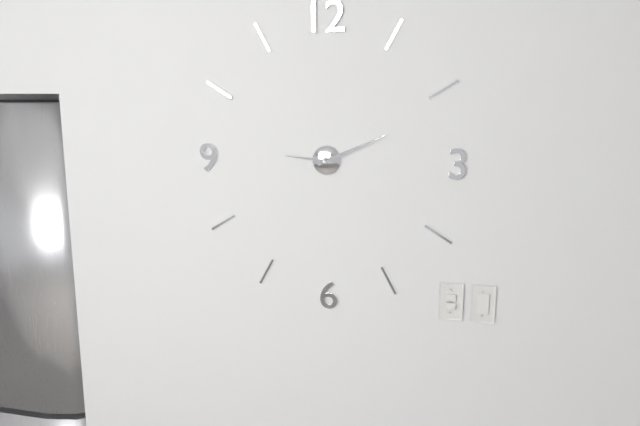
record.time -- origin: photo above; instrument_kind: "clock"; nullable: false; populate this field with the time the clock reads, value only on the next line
9:11
